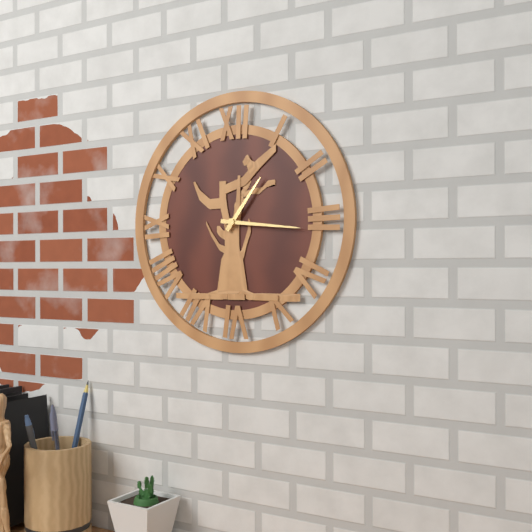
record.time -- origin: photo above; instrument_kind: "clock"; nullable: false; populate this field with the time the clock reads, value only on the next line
1:16
